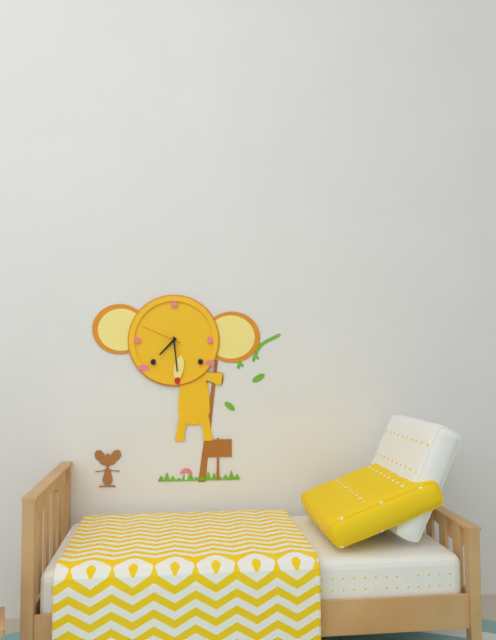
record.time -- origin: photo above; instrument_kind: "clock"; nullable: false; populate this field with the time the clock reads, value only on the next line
7:29
